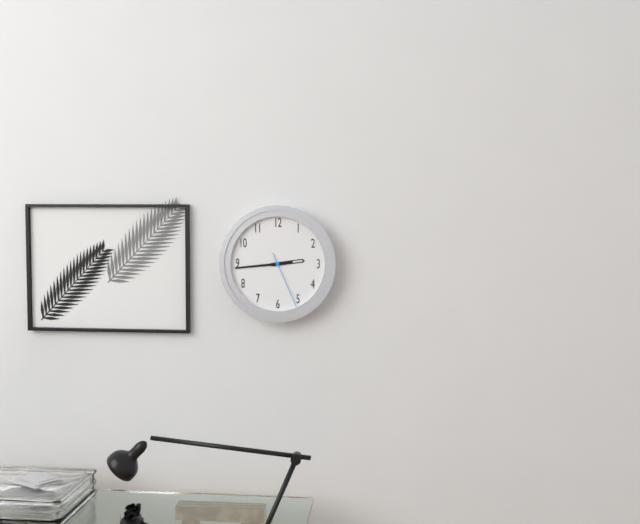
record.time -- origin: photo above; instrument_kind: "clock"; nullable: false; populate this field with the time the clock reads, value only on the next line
2:44:26
